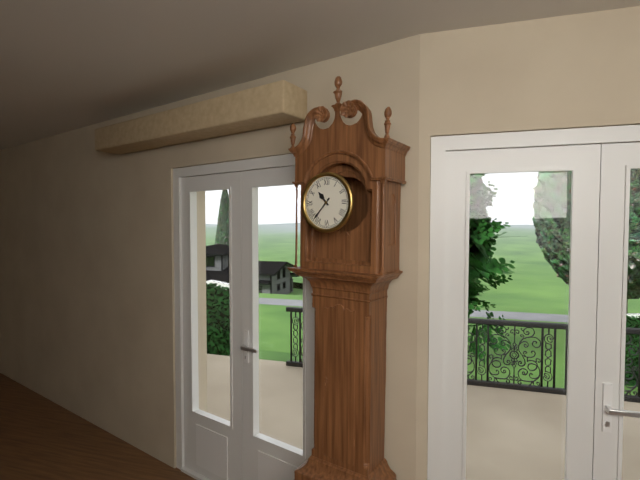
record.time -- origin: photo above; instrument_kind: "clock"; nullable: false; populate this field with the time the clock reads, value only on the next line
10:37
